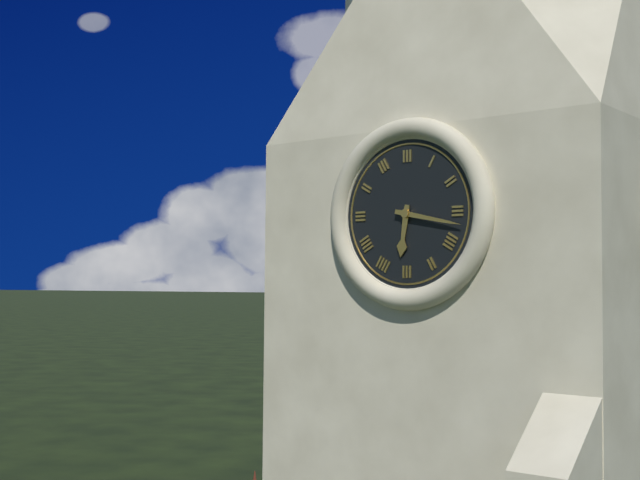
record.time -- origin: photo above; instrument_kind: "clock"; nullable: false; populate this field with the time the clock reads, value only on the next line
6:17
